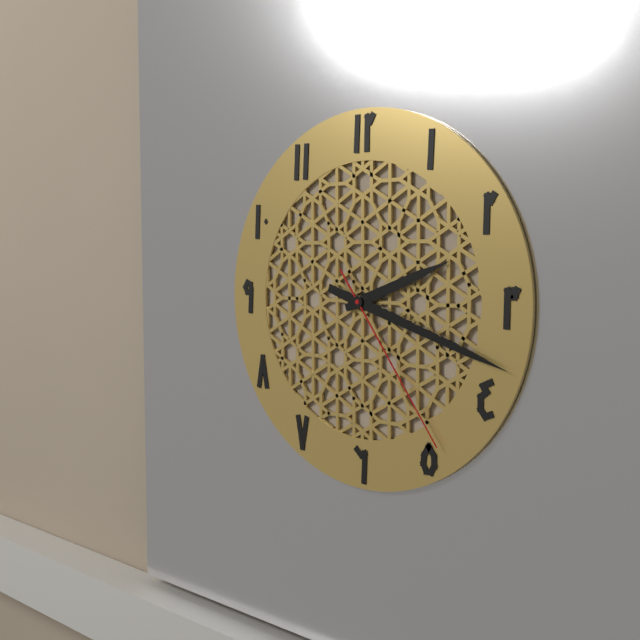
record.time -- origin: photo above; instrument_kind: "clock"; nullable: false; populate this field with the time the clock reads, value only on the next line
2:18:24
